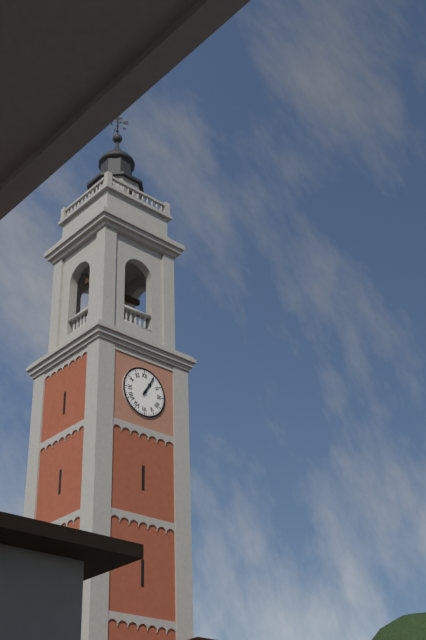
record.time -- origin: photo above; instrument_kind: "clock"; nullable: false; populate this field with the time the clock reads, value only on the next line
1:05
